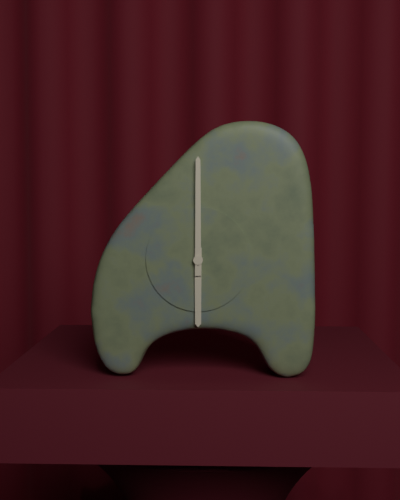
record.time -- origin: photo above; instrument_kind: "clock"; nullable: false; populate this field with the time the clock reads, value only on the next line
6:00
